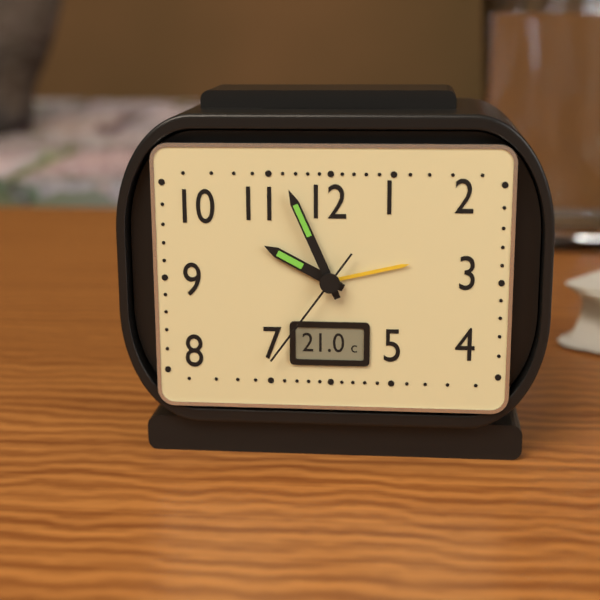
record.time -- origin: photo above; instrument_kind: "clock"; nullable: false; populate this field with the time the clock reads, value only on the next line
9:56:36
